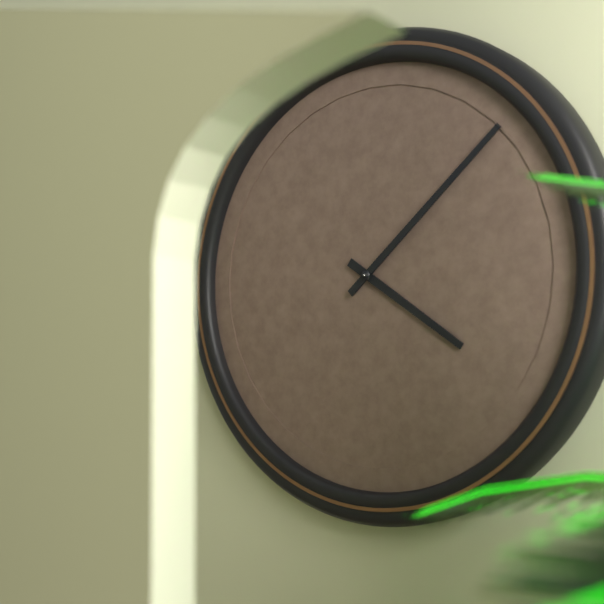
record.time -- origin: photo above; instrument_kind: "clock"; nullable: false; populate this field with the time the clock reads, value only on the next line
4:08
